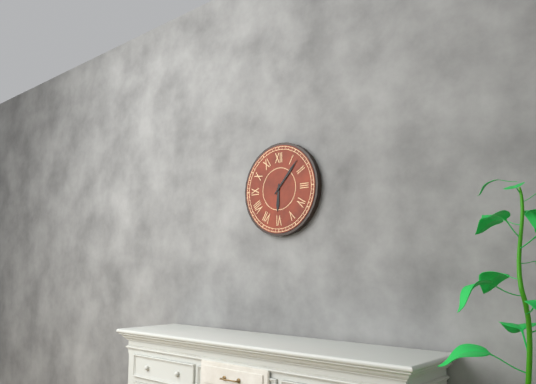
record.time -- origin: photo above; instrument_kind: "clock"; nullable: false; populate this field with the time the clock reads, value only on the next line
6:07
